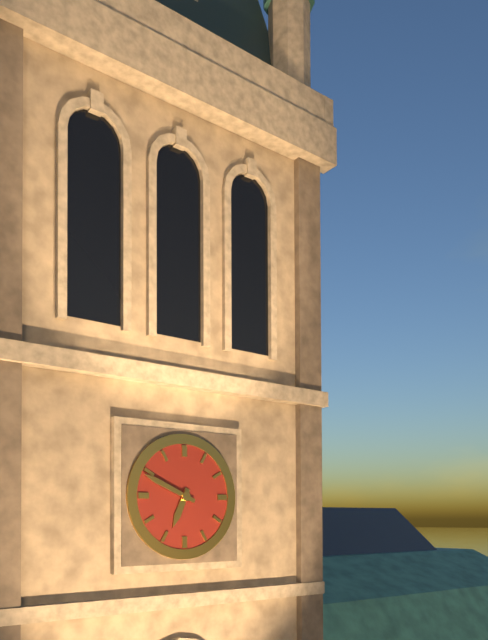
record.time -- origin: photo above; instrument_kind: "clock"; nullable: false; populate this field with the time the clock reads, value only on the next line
6:49
